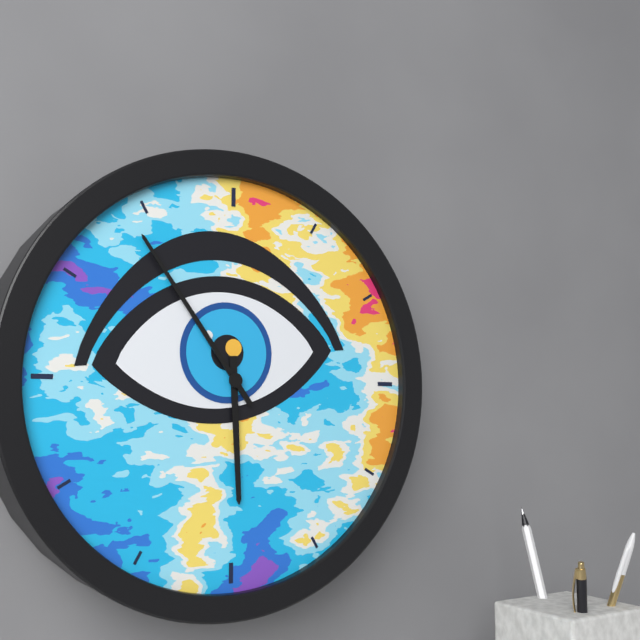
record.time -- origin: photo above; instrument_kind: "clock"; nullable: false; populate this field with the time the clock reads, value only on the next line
5:54
